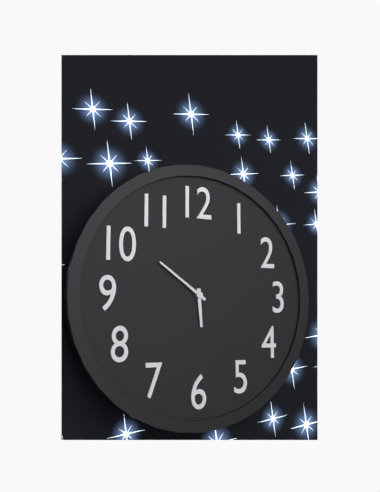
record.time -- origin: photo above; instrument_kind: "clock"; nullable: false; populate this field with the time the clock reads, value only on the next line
5:51
